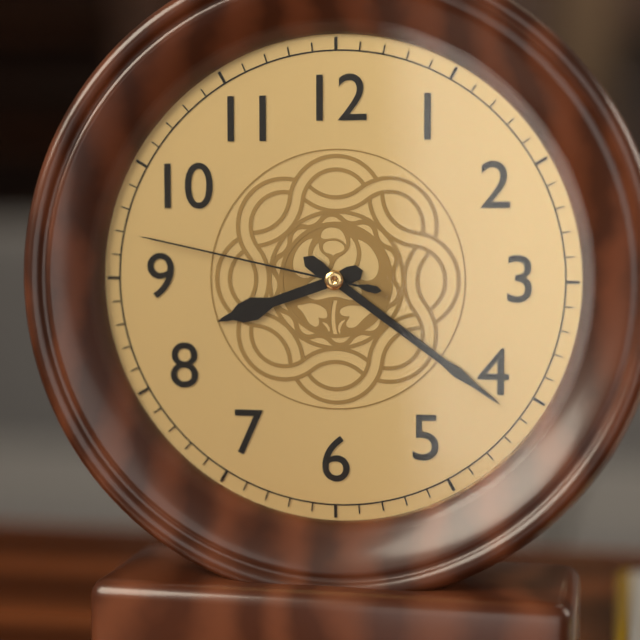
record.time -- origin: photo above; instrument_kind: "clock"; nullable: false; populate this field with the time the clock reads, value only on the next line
8:21:47
